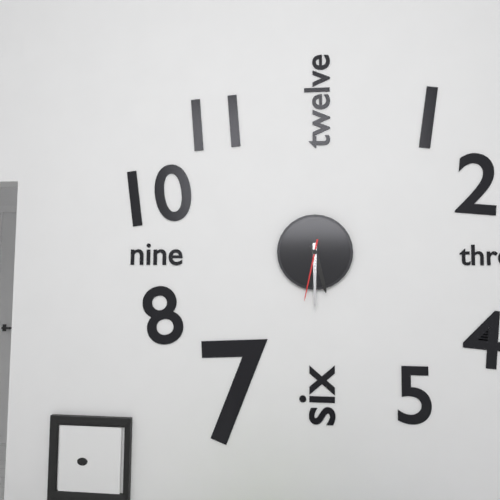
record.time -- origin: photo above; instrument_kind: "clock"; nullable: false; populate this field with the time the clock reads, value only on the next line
5:30:32
